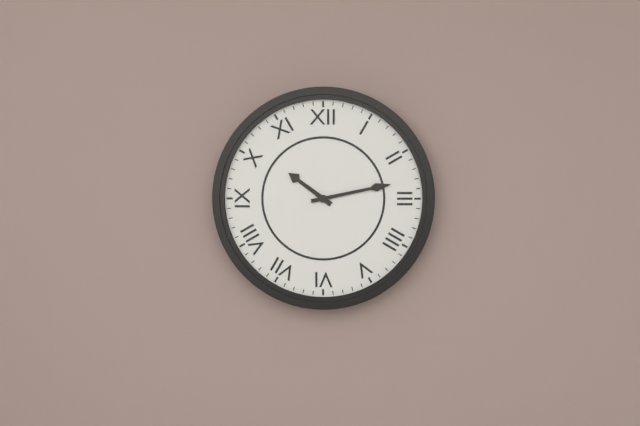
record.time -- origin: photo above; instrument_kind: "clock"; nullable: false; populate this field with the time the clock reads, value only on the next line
10:13
